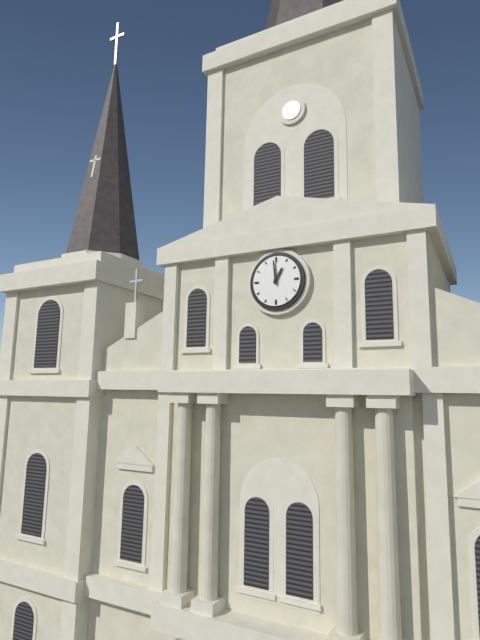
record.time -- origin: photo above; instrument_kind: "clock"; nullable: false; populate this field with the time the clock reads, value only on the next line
12:59
